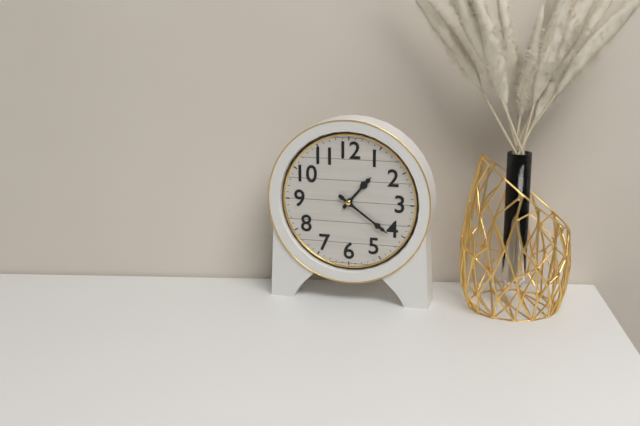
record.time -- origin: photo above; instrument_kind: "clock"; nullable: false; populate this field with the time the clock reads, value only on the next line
1:21
